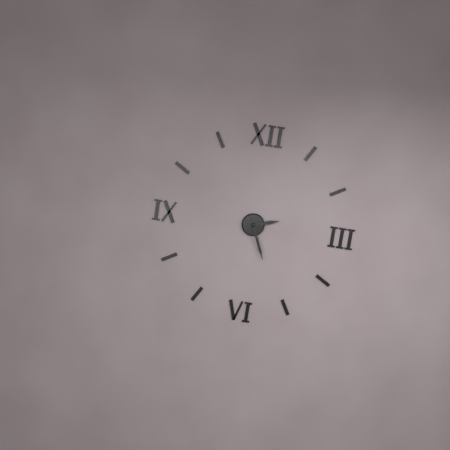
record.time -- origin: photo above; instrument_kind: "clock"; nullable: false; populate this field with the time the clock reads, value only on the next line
2:26
